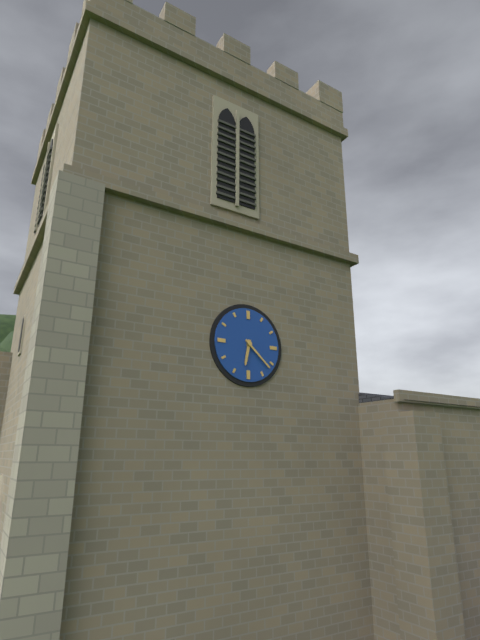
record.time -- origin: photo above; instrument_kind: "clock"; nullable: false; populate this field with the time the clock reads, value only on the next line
6:22
